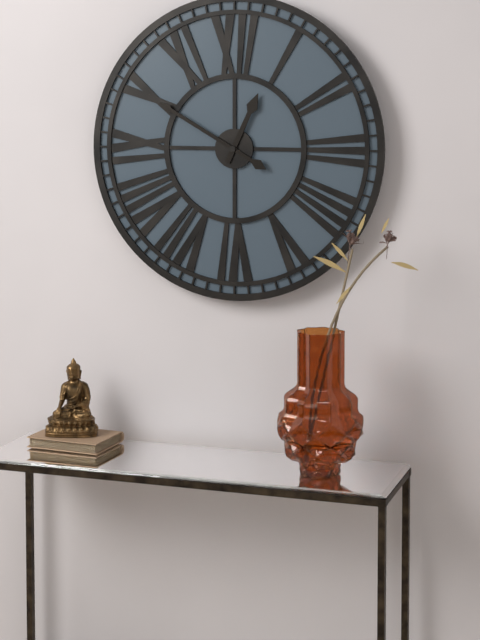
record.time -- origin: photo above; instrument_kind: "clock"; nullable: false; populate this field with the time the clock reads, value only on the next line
12:50
